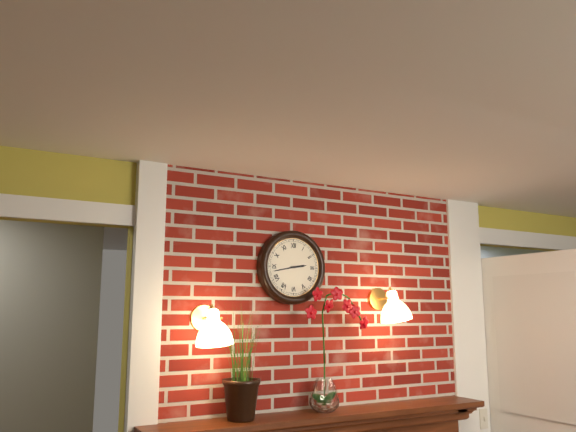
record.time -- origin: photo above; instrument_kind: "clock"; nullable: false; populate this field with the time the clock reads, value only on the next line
2:43
